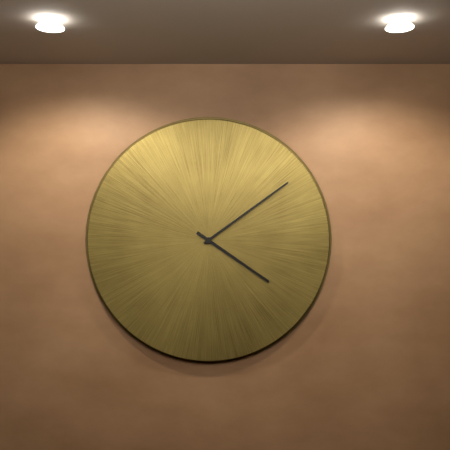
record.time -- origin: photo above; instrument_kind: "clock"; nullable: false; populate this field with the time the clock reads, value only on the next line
4:09
